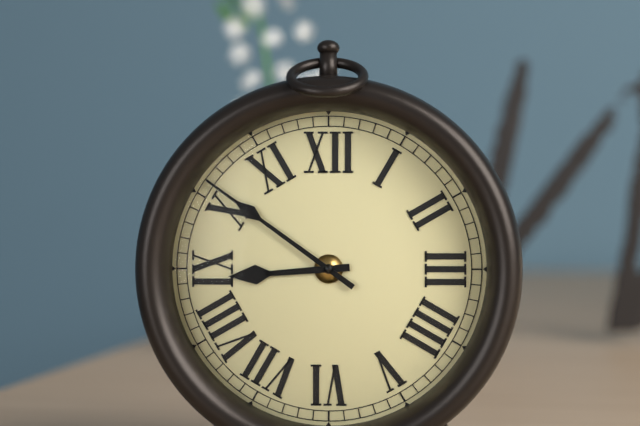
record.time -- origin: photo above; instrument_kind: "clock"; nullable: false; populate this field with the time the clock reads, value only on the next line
8:51
